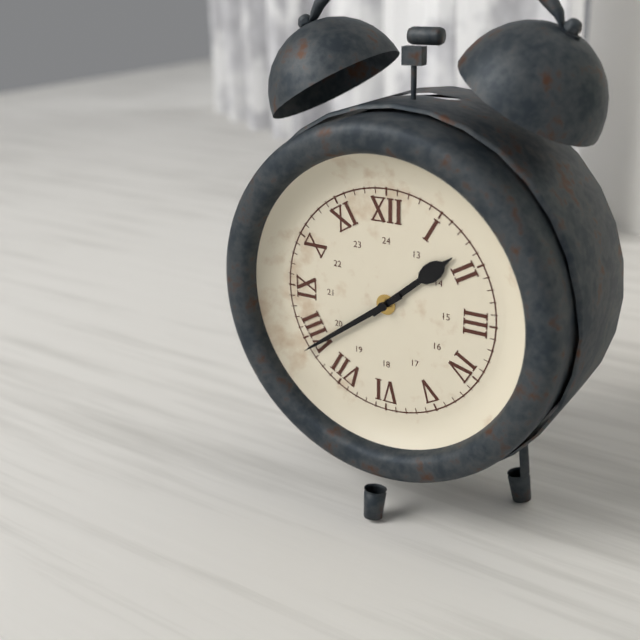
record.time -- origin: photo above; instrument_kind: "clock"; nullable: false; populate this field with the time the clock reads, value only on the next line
1:39
